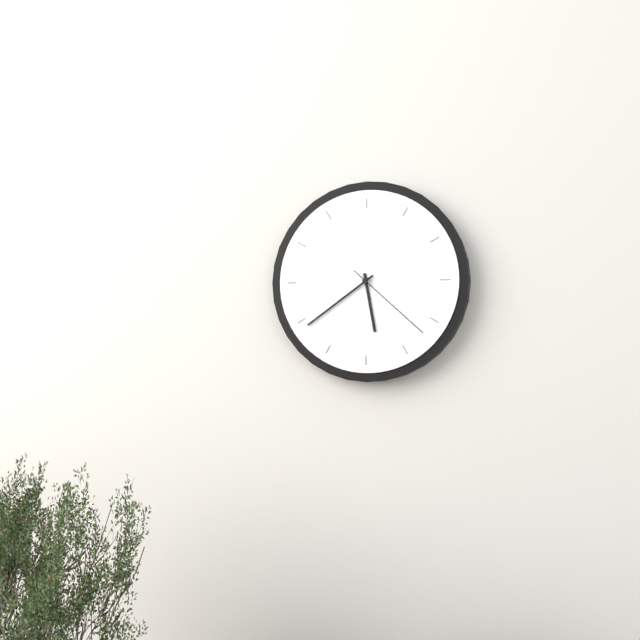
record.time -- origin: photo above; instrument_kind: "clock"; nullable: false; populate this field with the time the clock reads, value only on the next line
5:39:22
